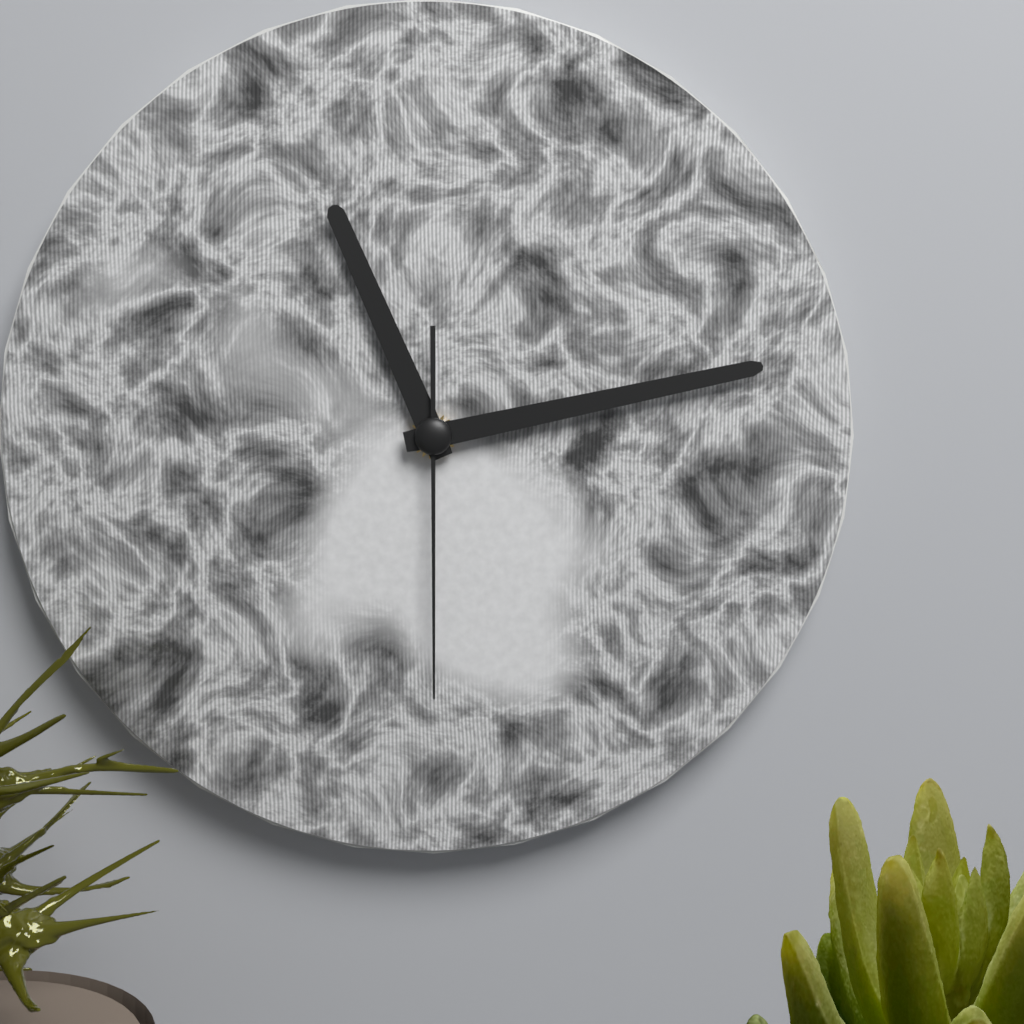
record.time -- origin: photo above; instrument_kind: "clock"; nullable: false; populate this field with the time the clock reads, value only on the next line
11:13:30
